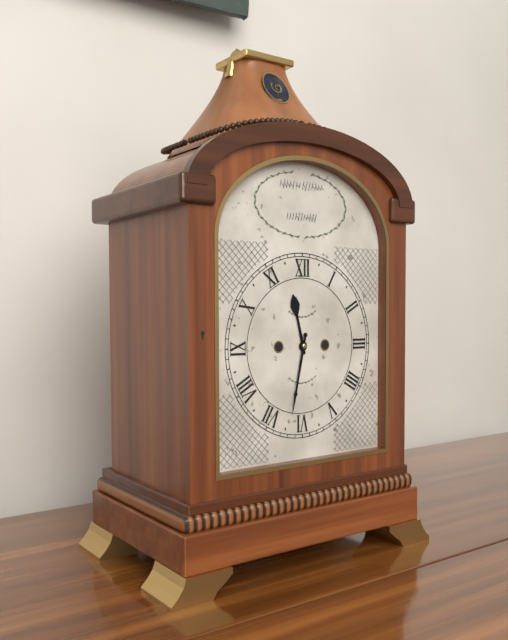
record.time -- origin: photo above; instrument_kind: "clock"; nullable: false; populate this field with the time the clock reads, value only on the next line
11:32
